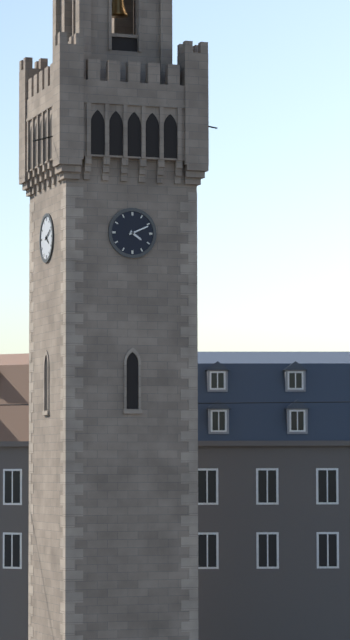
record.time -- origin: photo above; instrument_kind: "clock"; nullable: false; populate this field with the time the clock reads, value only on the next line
4:11
